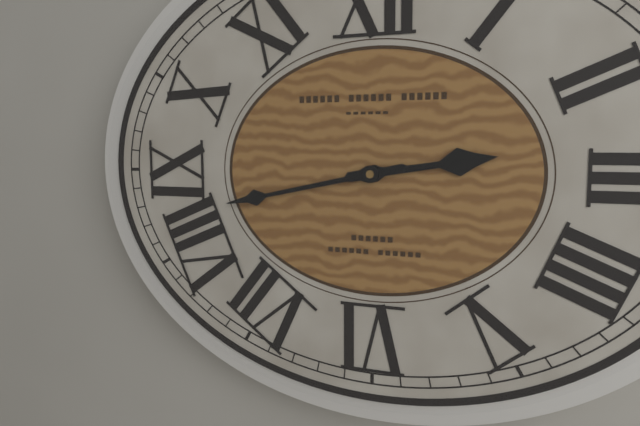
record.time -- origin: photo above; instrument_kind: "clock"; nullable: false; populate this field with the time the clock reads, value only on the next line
2:43
